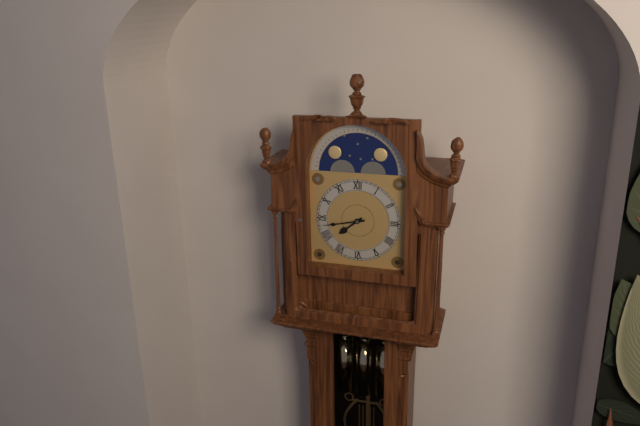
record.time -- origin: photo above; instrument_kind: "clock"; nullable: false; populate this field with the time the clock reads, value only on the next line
7:43
